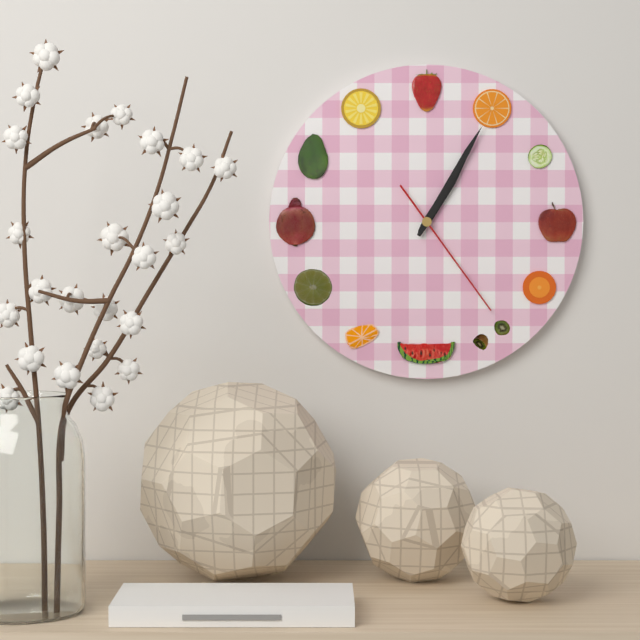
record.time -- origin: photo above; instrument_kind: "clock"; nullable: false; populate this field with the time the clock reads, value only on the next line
1:05:24
